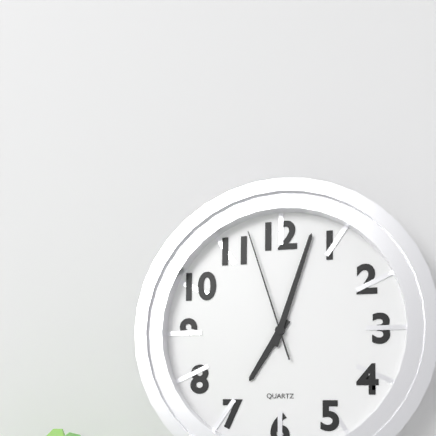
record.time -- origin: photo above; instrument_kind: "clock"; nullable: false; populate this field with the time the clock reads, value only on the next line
7:03:57
